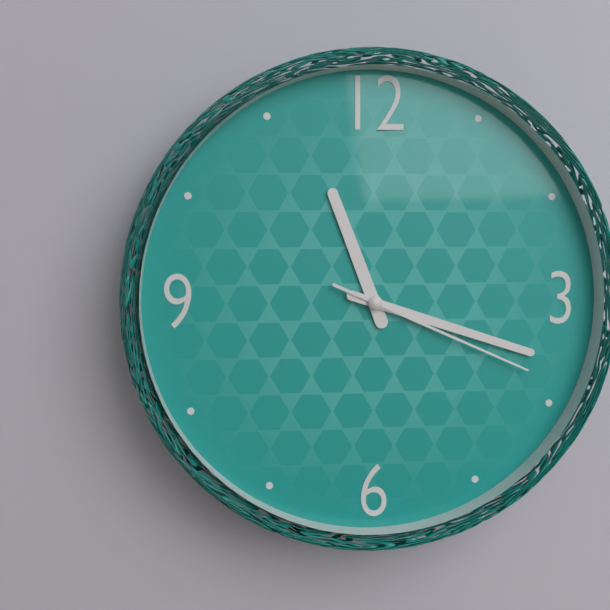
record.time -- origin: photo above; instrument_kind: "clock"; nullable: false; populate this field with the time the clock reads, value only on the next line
11:18:19
